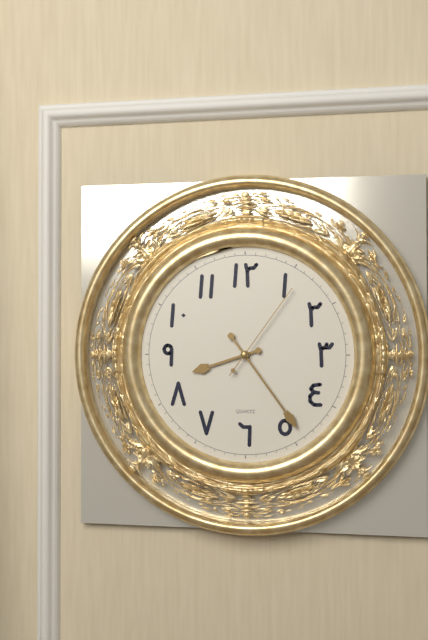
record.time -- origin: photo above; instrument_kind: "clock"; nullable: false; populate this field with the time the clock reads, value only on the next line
8:24:06
